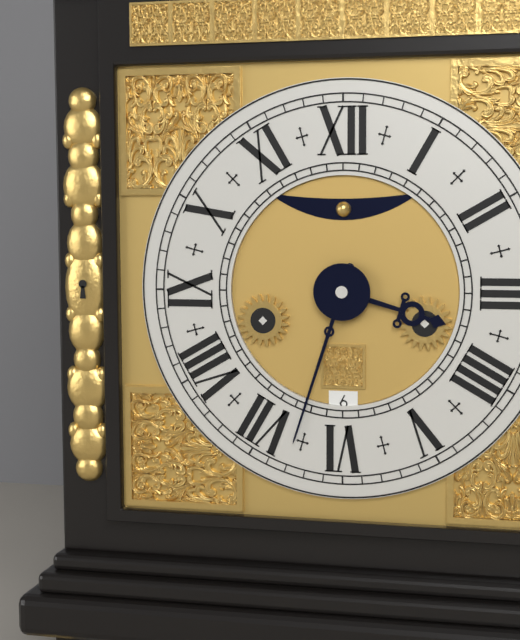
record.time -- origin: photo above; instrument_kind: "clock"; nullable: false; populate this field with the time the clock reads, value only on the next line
3:33
